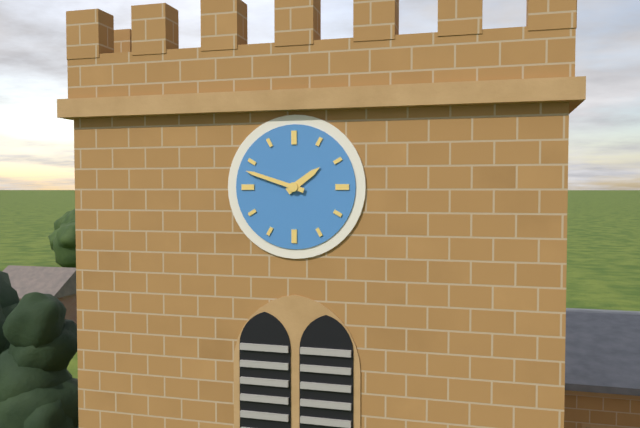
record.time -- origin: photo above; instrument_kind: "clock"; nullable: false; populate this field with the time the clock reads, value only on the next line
1:48
